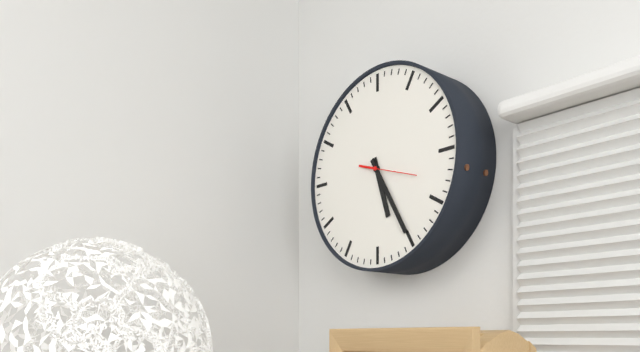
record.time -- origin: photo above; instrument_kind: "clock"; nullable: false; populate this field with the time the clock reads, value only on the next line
5:25:18
